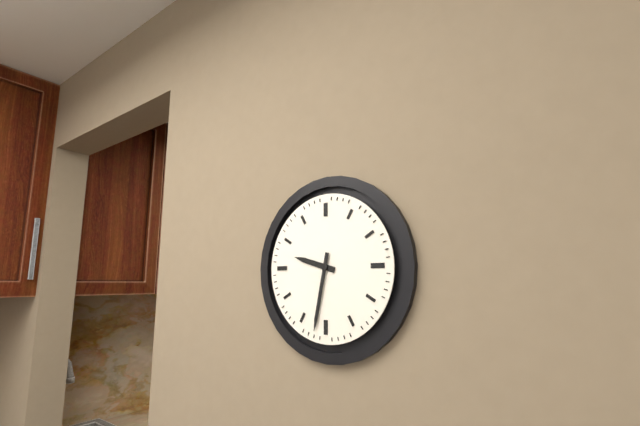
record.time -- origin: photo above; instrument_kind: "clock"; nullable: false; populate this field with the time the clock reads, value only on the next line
9:32
